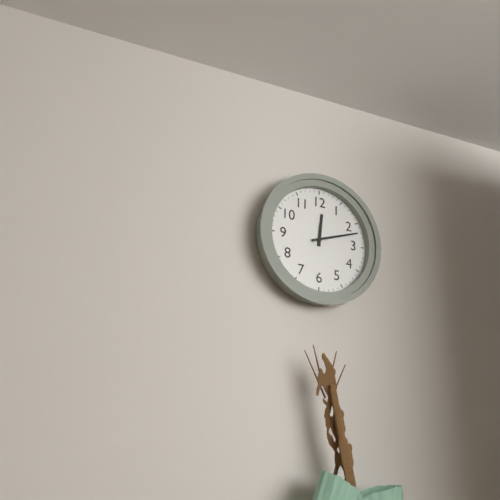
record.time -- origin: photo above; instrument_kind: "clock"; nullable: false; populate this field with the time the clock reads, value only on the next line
12:12
